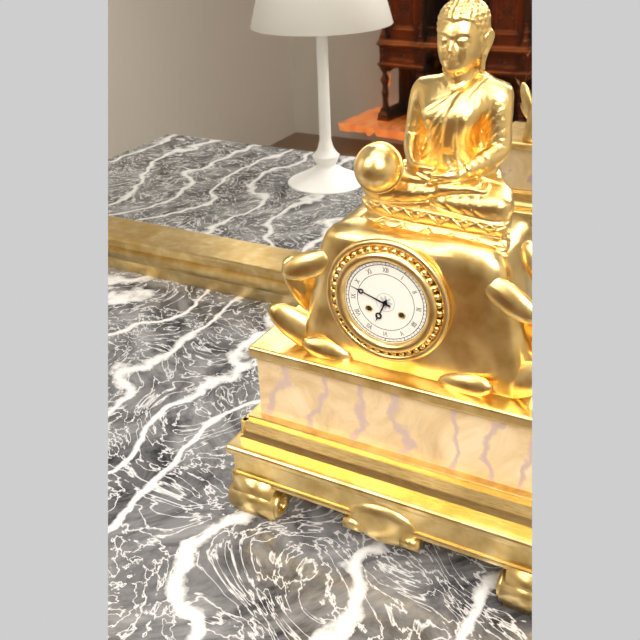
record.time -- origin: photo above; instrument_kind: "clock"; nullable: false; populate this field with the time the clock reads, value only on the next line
6:48
